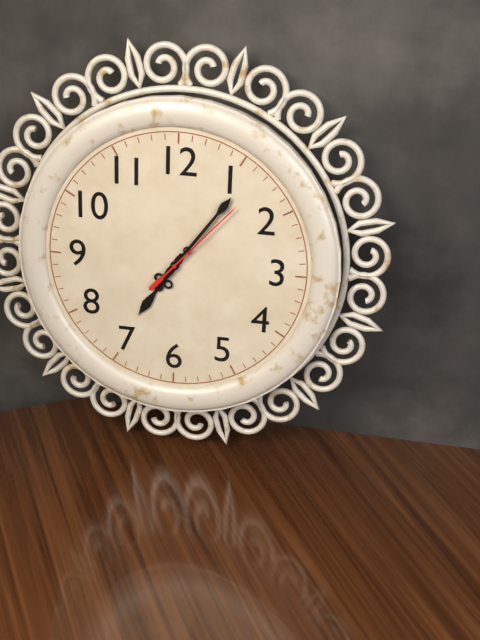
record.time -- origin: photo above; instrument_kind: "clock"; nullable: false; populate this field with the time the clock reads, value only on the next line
7:06:07
